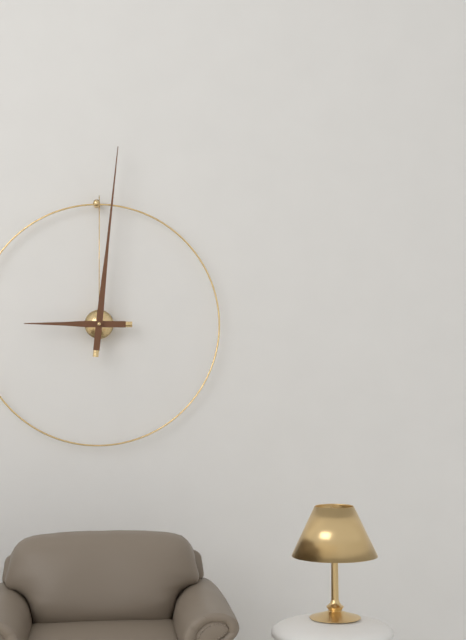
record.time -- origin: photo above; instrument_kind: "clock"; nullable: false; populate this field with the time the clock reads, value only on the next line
9:01
